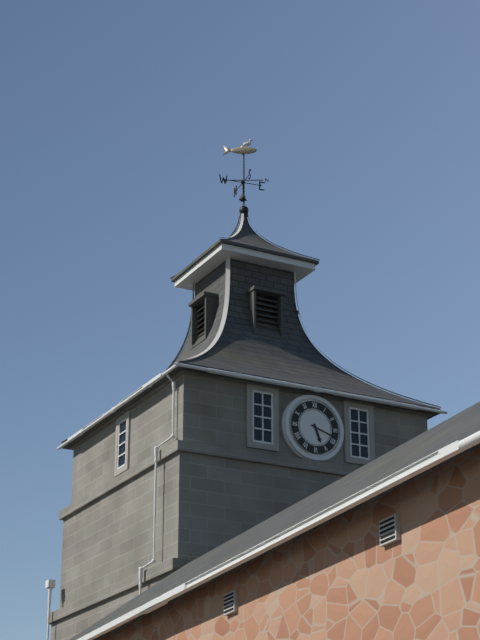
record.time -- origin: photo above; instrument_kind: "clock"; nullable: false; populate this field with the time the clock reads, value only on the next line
5:18
